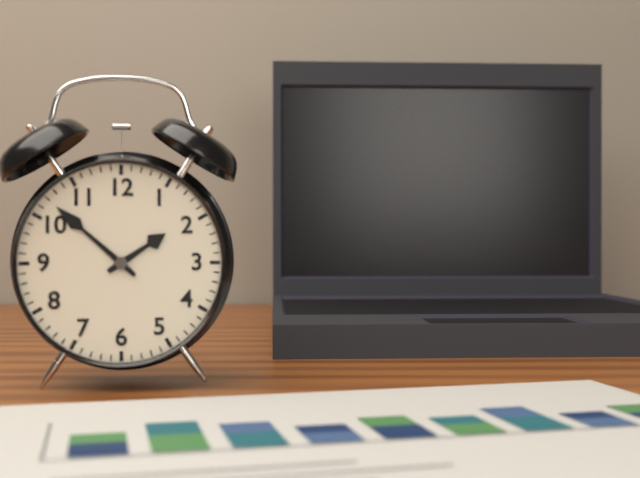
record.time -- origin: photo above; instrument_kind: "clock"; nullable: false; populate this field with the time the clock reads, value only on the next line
1:52
